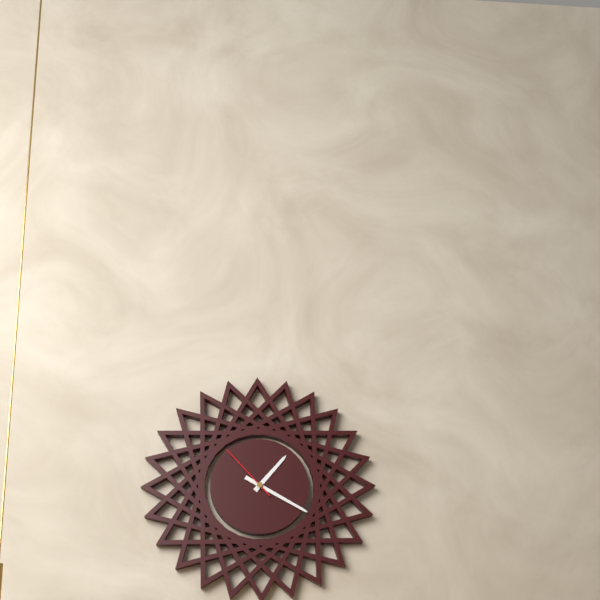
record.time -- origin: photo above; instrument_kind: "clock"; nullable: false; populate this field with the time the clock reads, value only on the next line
1:20:53
